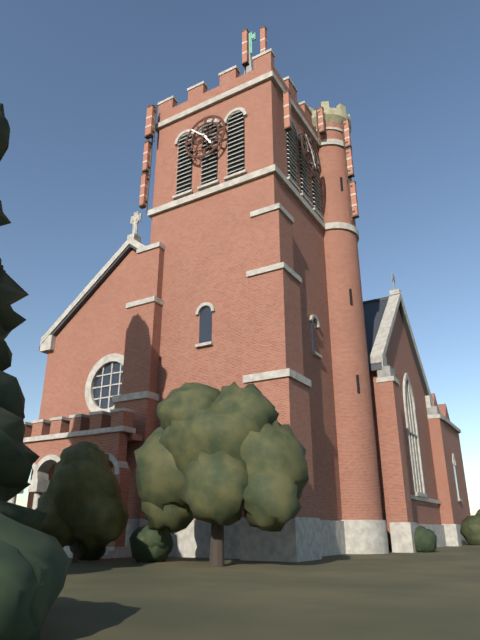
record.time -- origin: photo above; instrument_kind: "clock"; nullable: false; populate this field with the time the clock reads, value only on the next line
4:52
